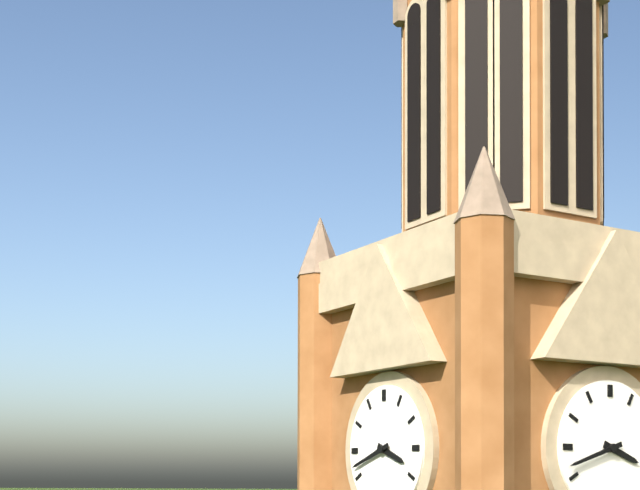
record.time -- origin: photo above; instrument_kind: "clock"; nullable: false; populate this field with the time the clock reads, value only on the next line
3:42
